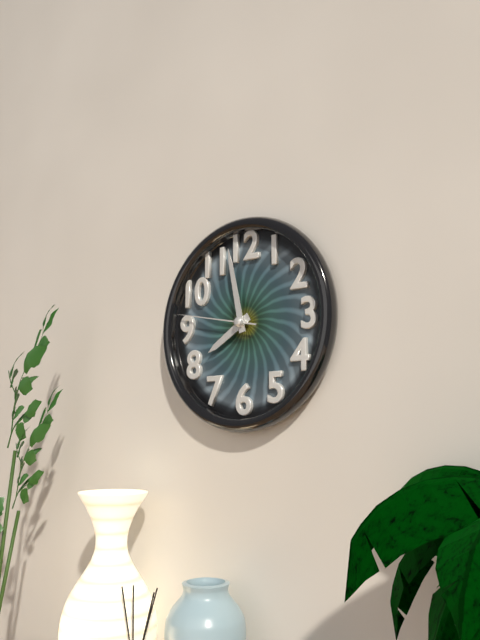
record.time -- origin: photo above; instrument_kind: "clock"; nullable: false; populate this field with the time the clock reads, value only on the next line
7:58:47
